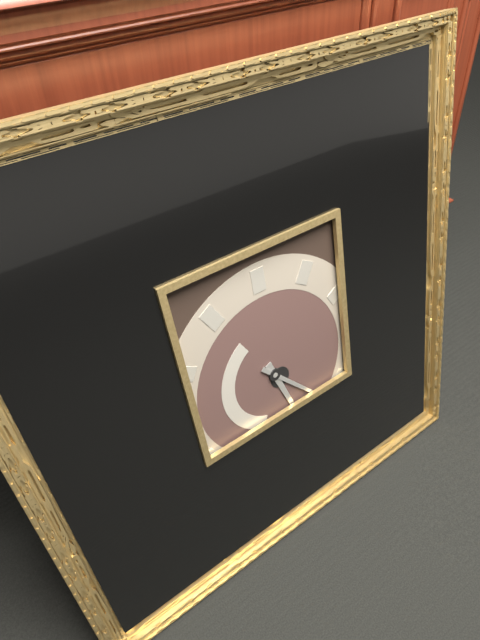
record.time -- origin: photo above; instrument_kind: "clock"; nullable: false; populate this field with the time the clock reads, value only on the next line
5:23
